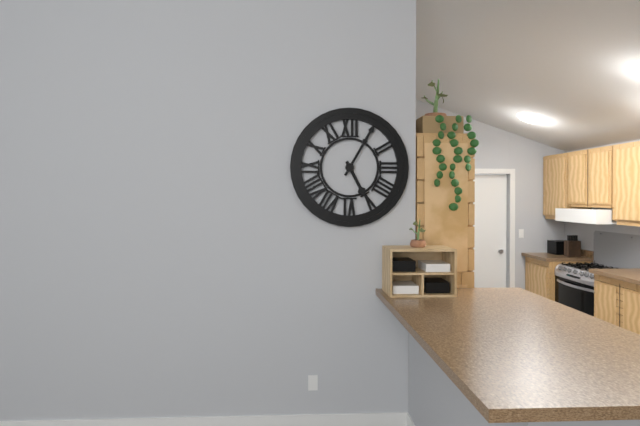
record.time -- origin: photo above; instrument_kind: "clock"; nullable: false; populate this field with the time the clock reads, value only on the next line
5:05
